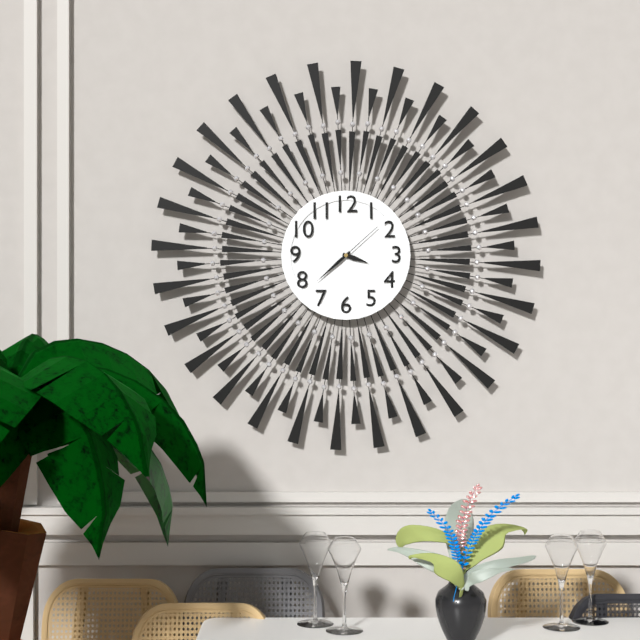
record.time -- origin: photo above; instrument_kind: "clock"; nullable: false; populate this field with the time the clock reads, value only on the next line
3:38:08
